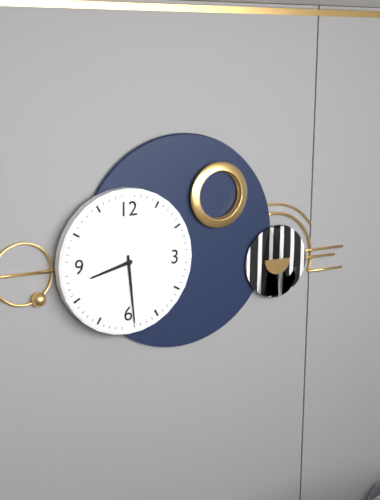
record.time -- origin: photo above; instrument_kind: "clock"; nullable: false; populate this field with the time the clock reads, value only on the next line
8:29
